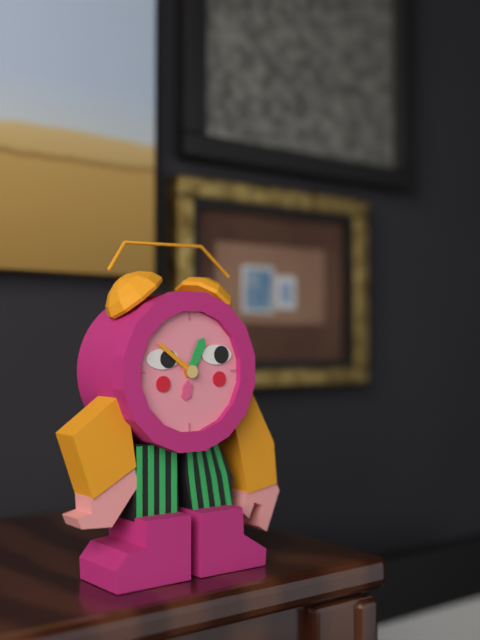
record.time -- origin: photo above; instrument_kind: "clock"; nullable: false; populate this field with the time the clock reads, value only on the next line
12:51
